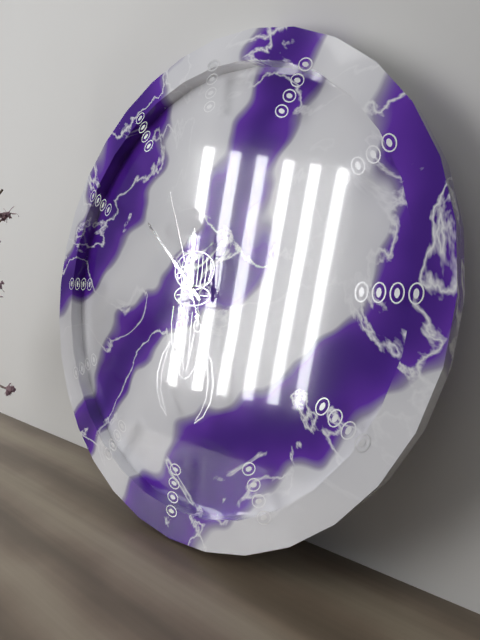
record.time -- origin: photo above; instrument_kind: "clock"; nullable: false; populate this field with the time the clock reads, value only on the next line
11:52:56
